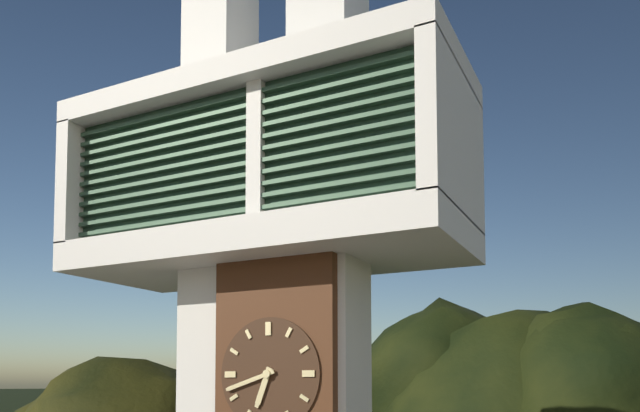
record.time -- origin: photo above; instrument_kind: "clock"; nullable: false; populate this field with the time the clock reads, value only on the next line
6:42
